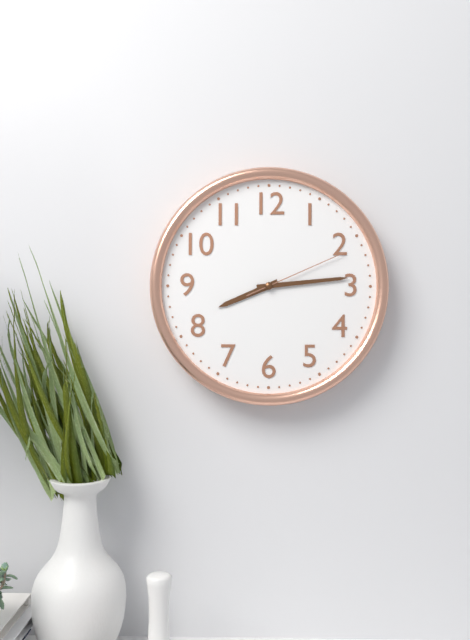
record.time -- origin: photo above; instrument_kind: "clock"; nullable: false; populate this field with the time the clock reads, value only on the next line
8:14:11
